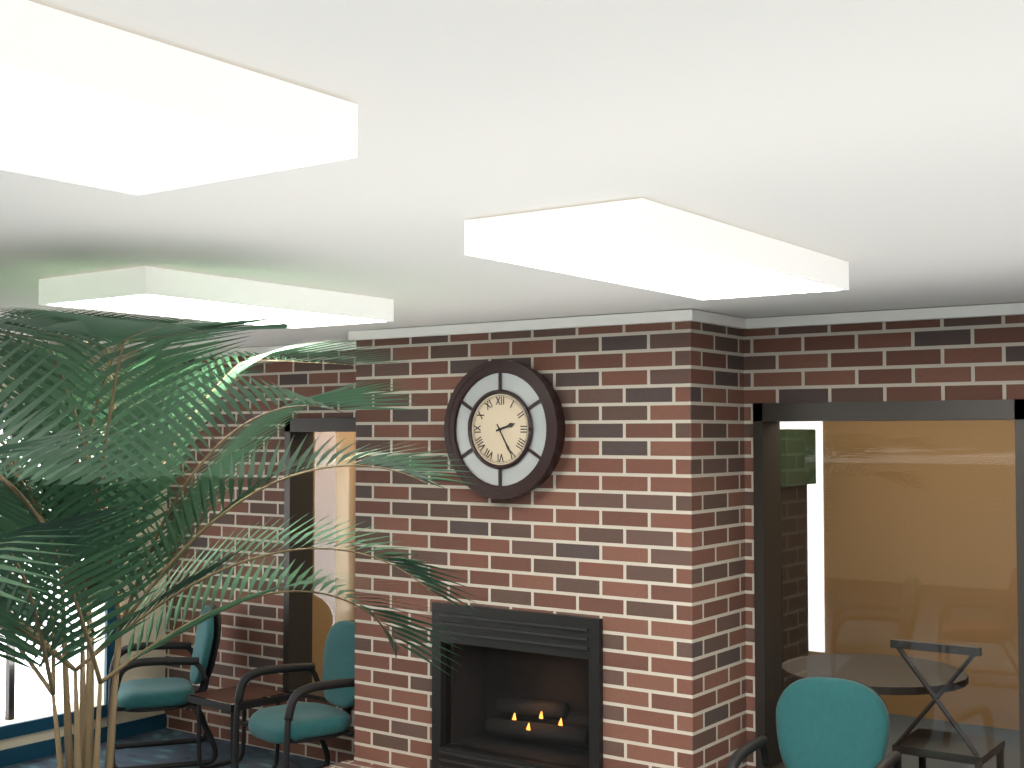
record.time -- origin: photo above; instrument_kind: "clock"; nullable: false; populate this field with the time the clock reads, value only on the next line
2:25
